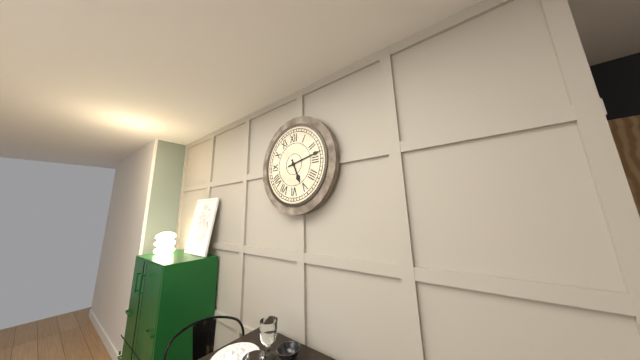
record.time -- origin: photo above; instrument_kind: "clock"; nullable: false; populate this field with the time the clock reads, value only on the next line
5:13
